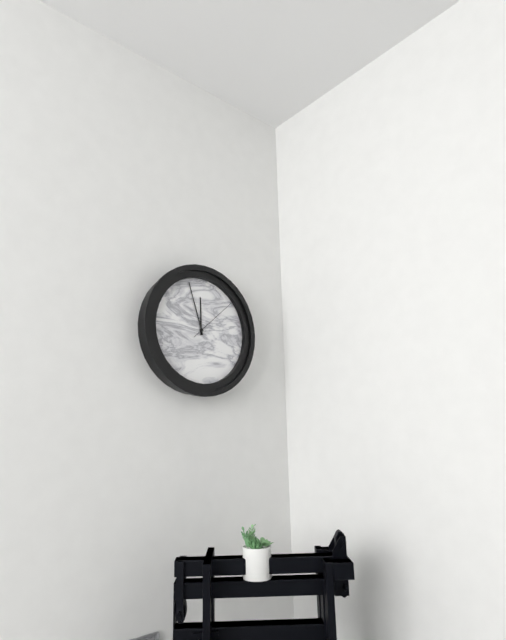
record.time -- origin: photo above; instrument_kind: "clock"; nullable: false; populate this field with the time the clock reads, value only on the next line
11:57:08
